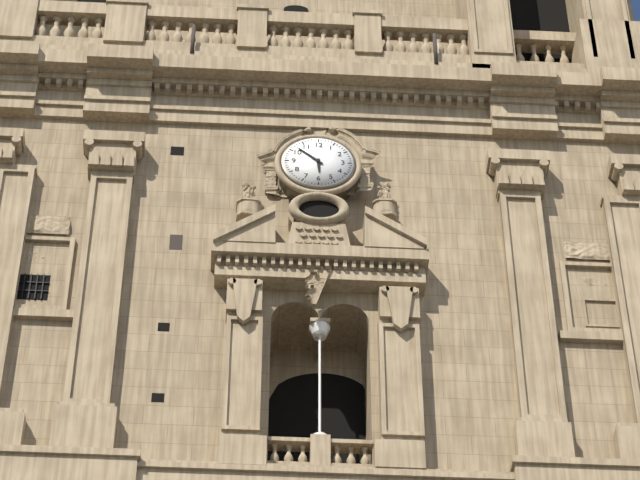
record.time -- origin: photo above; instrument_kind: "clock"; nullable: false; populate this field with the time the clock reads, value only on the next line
5:52
